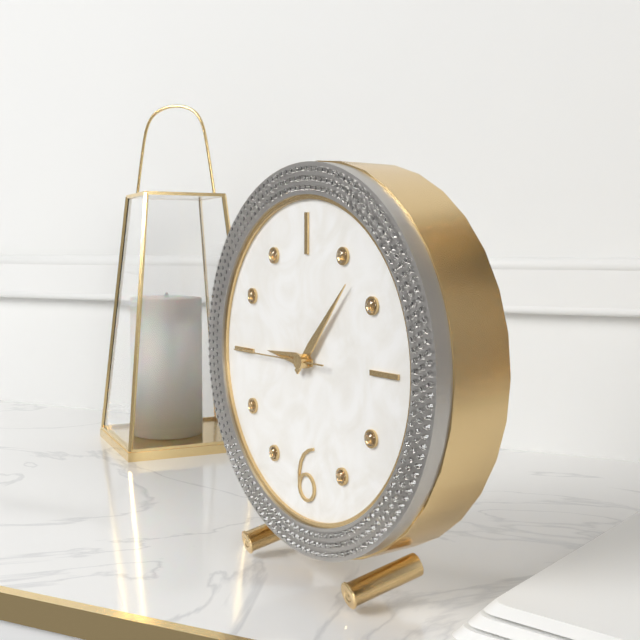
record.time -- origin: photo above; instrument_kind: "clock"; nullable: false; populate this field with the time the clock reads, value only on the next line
9:07:45
